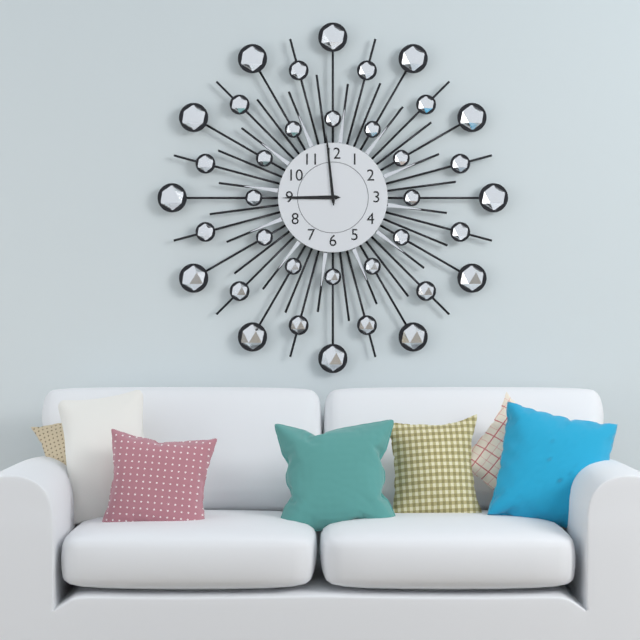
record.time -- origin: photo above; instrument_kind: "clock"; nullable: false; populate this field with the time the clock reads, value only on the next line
8:59
